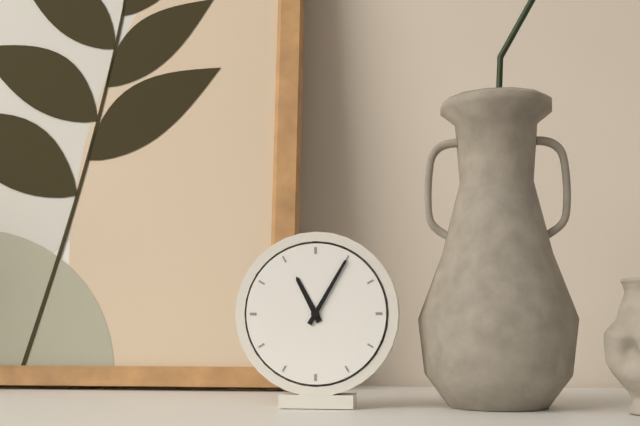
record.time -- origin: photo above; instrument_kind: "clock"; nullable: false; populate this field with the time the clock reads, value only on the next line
11:05
